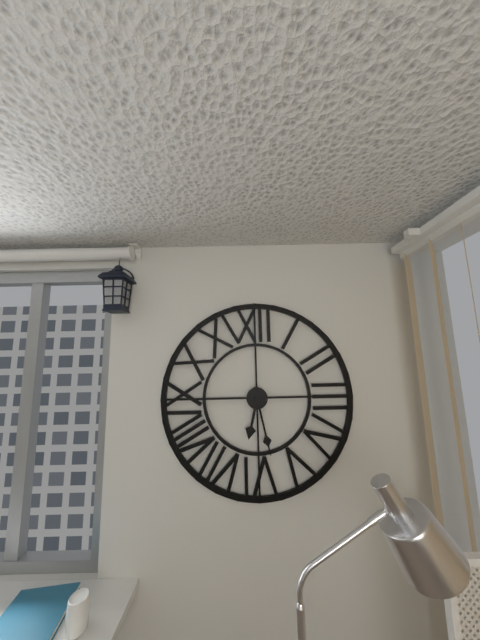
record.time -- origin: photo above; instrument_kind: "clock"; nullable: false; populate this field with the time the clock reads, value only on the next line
6:28
